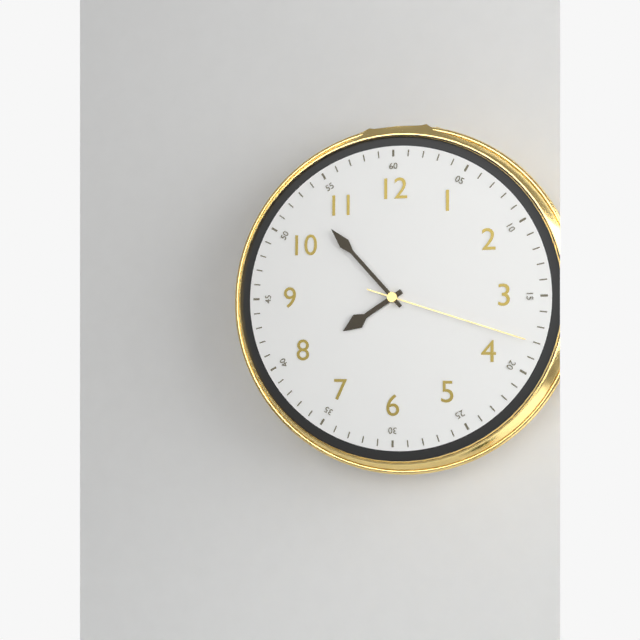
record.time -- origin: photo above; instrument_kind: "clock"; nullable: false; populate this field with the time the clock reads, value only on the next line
7:53:18
